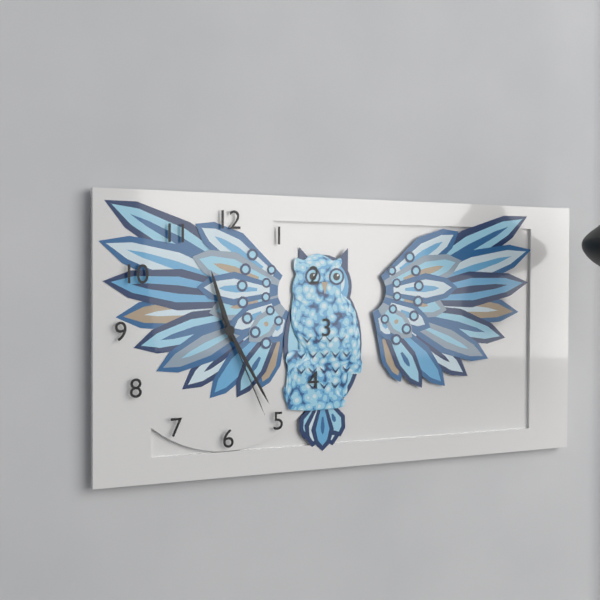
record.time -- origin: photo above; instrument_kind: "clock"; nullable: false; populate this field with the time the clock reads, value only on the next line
11:25:26
